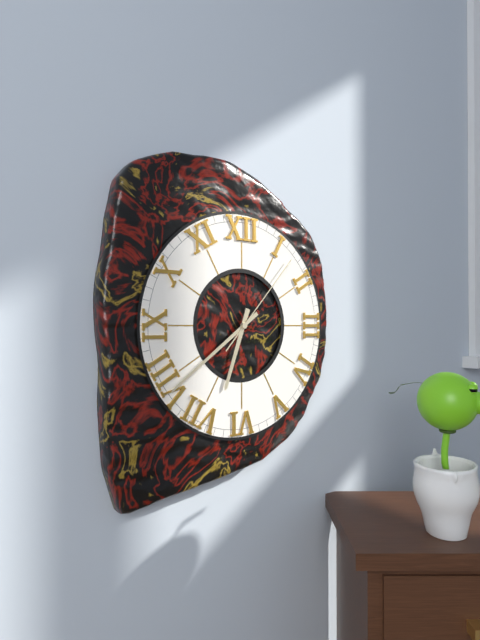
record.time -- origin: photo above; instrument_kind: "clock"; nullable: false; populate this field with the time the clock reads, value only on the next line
6:39:07
